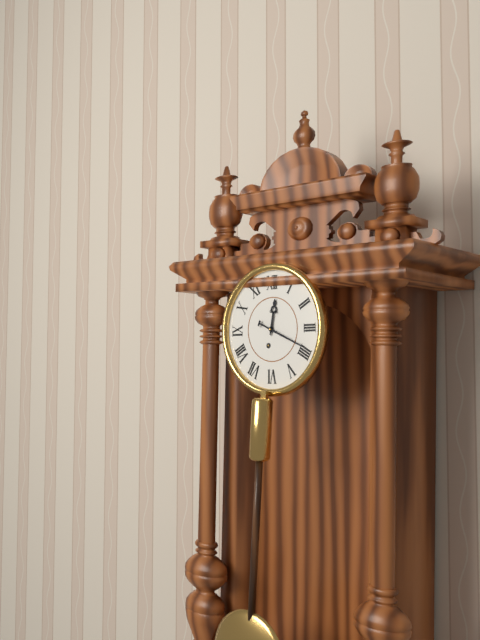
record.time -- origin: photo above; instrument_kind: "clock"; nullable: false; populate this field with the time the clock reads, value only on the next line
12:19
